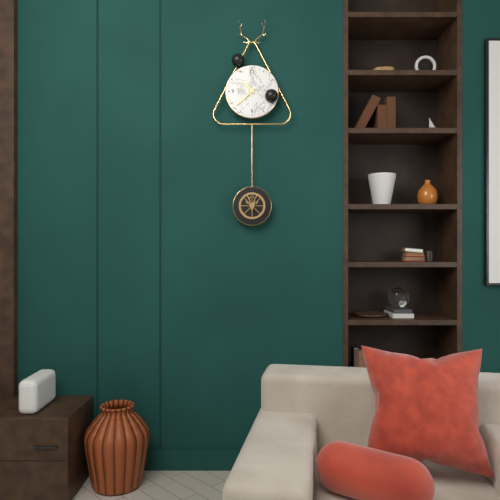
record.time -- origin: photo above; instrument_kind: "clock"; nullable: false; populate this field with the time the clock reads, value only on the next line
10:38
